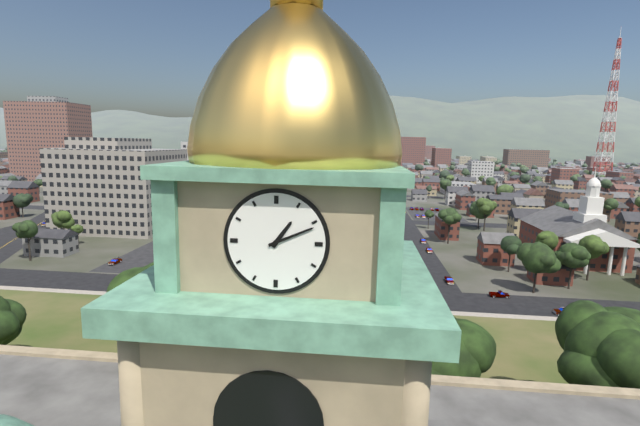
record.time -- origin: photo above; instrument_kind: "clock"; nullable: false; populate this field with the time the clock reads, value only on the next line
1:11
